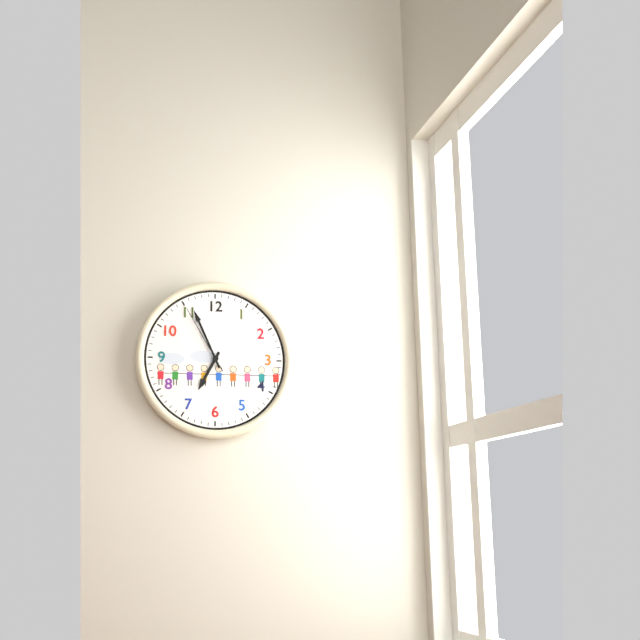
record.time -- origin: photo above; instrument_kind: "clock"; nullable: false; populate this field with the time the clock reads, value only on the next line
6:56:55
